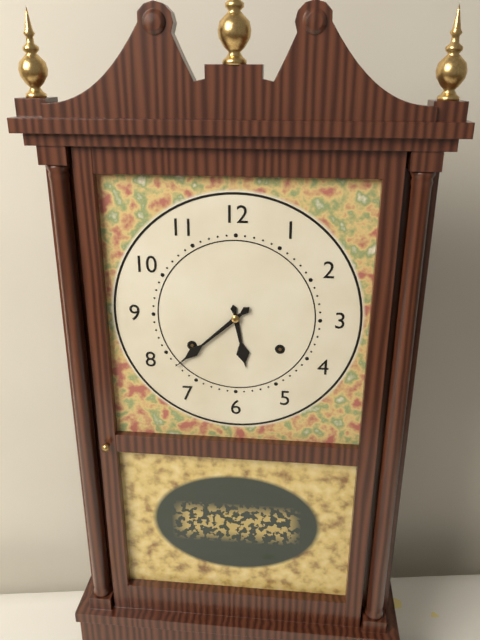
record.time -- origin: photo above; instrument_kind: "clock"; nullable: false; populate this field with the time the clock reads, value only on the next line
5:38
